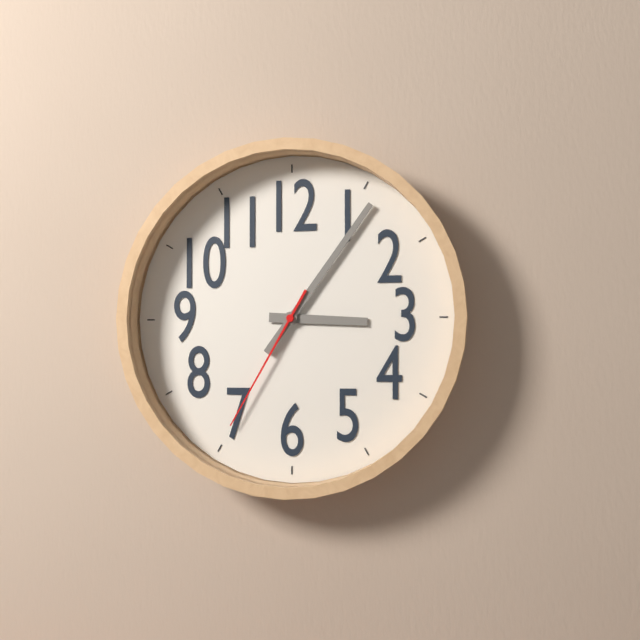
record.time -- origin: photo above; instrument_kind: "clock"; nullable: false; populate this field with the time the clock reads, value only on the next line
3:06:35
